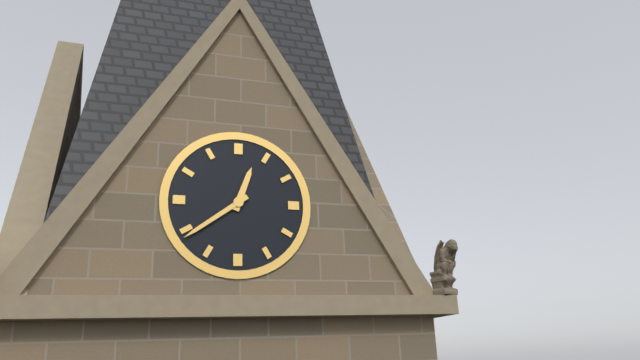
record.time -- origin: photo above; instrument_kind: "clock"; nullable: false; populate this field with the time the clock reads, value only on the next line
12:39
